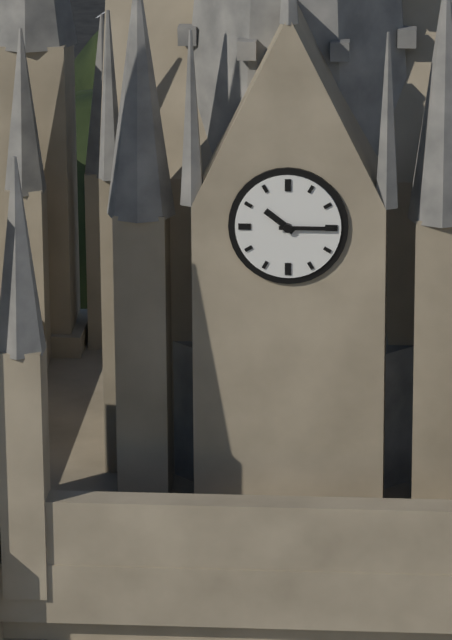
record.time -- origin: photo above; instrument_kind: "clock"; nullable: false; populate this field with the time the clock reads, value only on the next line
10:15
